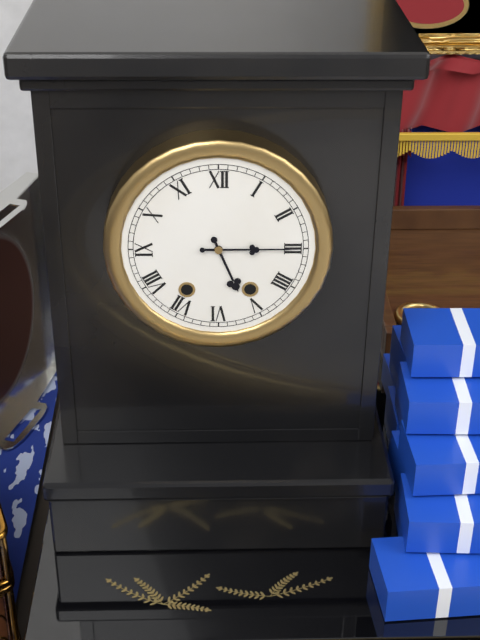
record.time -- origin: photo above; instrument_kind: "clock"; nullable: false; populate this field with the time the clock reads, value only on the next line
5:15
